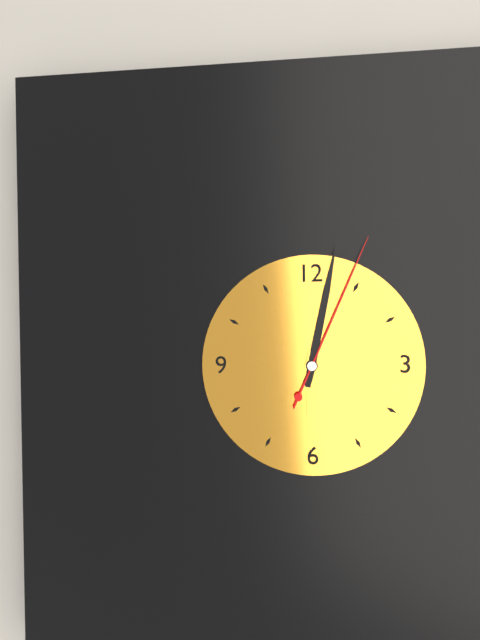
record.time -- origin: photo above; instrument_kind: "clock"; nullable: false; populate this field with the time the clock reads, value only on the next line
6:02:04
